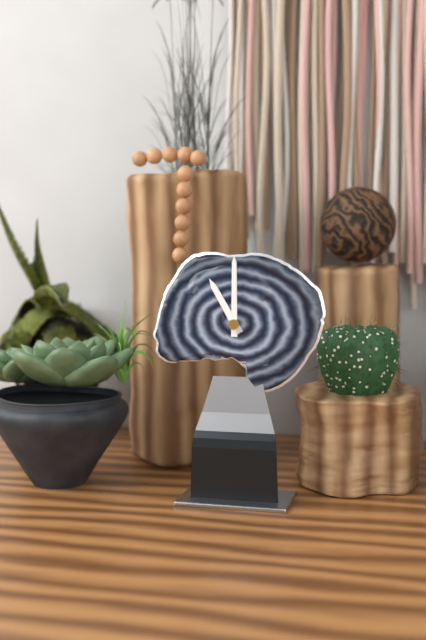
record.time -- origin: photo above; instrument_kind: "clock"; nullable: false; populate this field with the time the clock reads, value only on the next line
11:00
